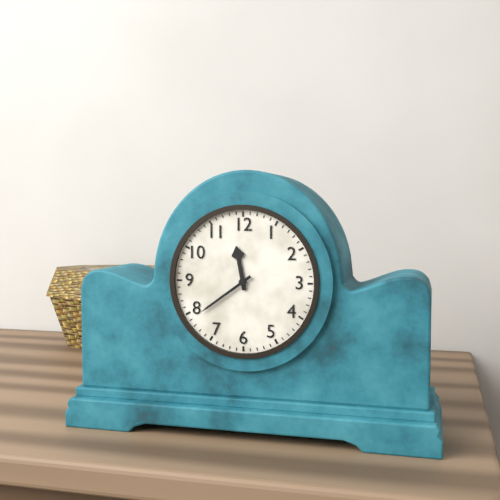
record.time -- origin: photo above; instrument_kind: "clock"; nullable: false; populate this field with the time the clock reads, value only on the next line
11:39
